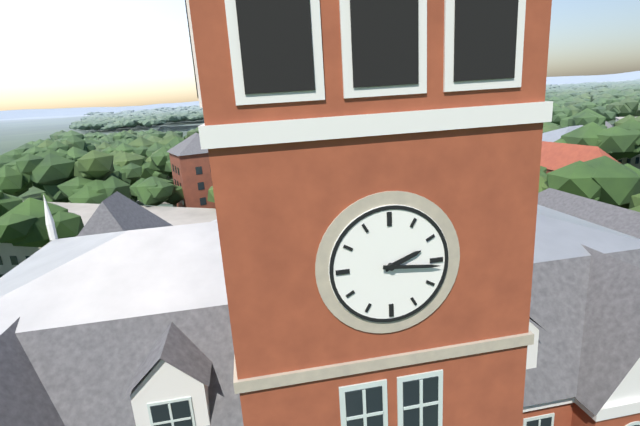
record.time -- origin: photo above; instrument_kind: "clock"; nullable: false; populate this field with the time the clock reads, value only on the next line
2:16
